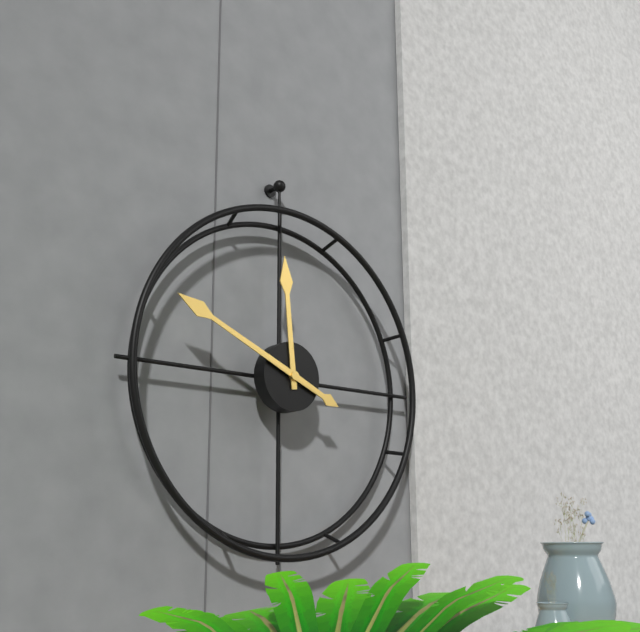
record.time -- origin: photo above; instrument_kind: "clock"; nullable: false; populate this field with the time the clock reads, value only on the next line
11:49
